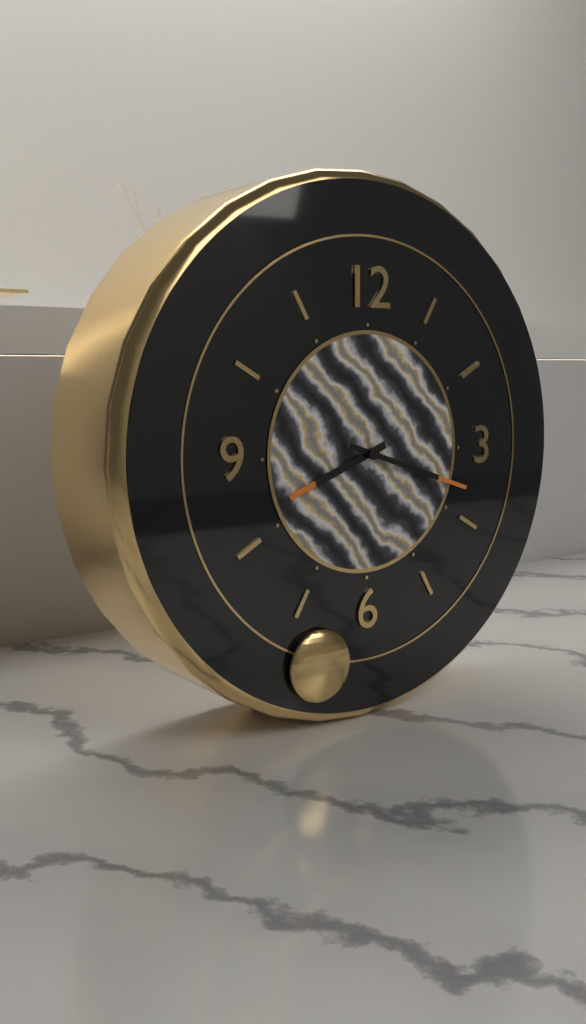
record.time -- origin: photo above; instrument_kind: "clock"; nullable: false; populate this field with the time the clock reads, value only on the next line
8:18
